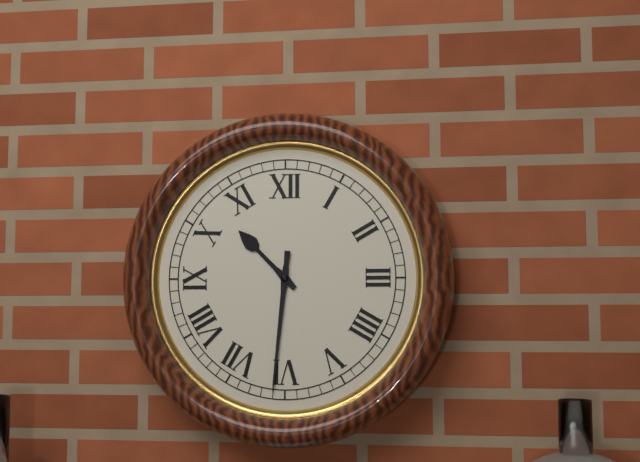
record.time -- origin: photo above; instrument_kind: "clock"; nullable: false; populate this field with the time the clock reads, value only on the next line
10:31
